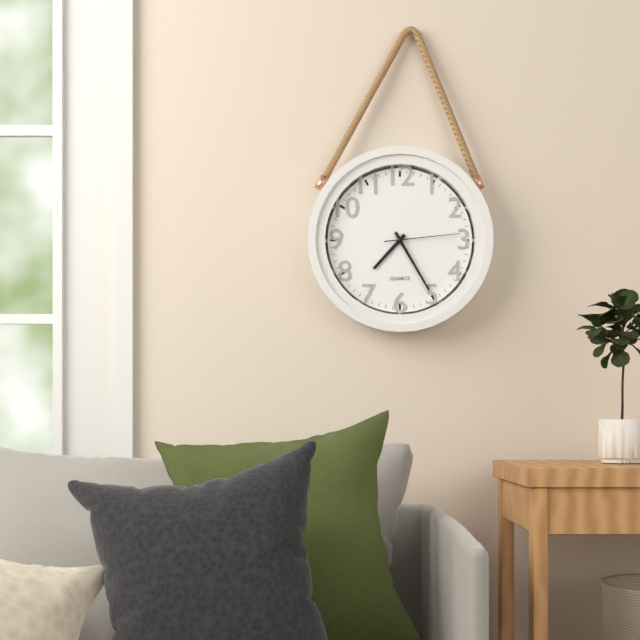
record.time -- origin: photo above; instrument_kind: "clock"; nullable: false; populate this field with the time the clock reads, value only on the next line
7:25:14
